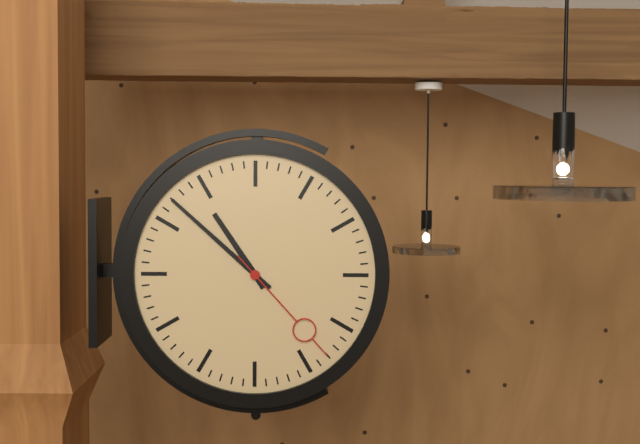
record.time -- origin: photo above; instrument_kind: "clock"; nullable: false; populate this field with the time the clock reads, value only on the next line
10:52:23
